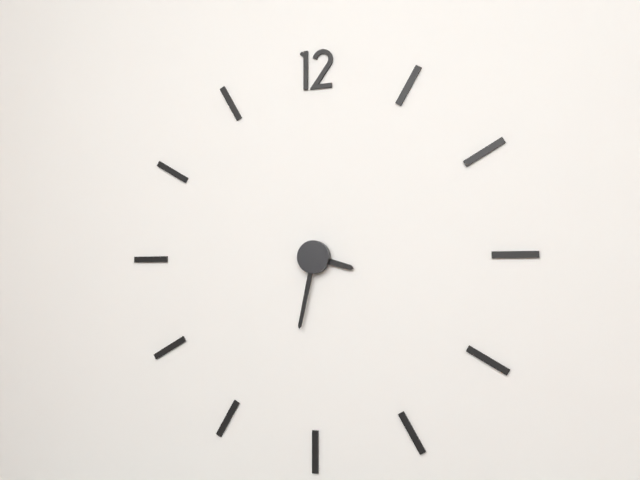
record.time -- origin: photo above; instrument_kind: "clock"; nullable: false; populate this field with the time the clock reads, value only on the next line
3:32
